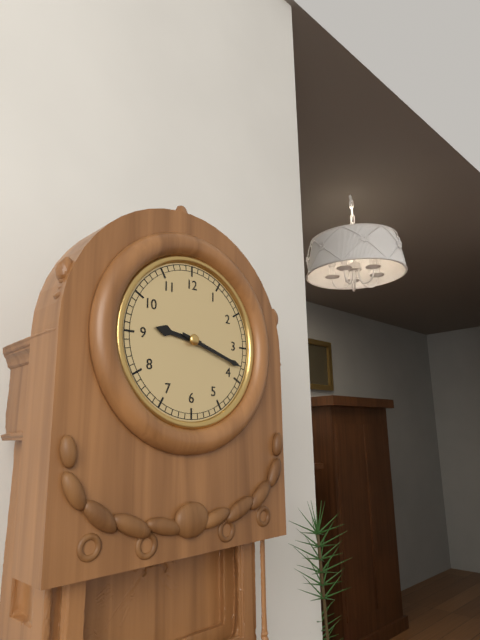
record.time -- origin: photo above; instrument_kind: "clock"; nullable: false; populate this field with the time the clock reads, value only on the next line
9:18
